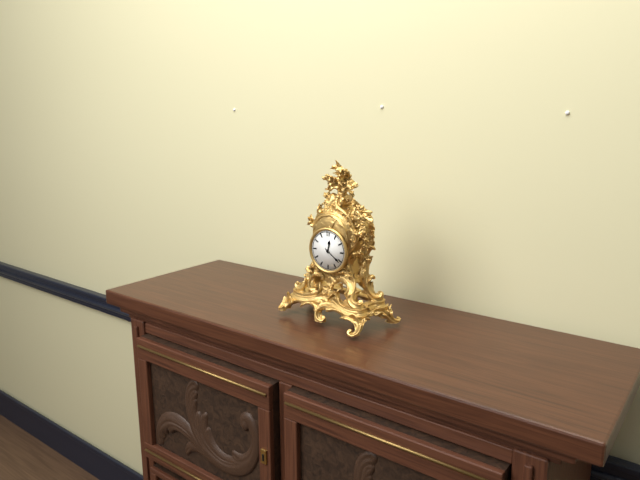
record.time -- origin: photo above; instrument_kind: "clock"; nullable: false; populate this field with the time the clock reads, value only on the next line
12:21
